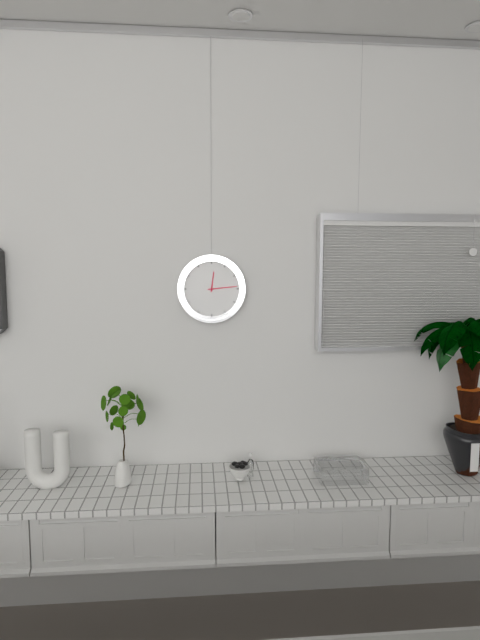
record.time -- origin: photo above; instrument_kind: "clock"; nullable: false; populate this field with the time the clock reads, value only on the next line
12:14
